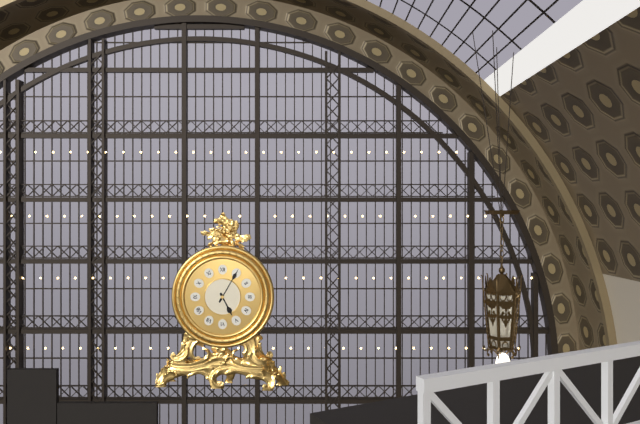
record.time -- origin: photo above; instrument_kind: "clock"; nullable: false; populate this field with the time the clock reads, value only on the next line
5:05
